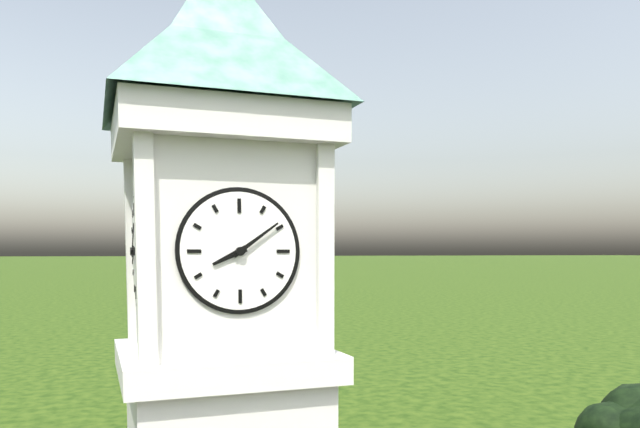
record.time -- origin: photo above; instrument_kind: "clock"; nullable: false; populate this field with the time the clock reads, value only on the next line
8:09
